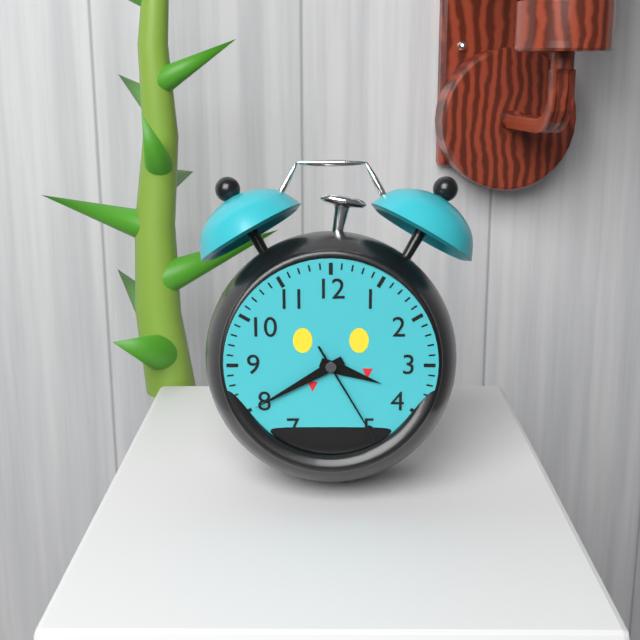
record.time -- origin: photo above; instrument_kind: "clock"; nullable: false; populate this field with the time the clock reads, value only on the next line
3:40:25
